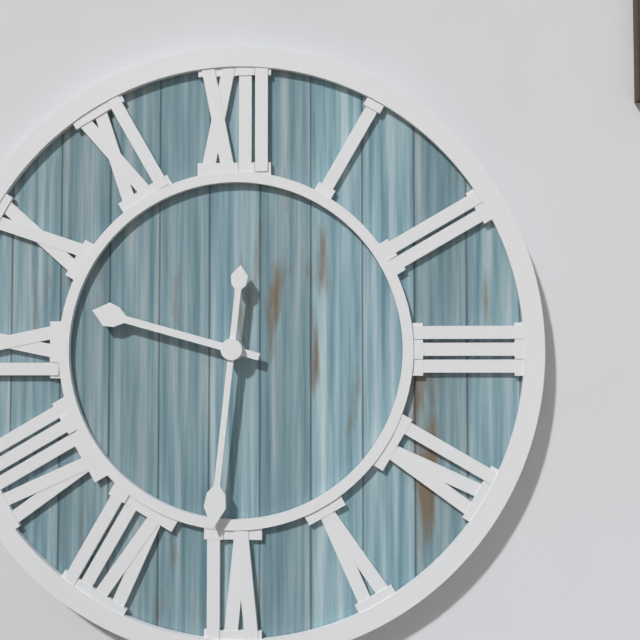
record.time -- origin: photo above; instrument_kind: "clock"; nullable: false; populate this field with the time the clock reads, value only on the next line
9:31
